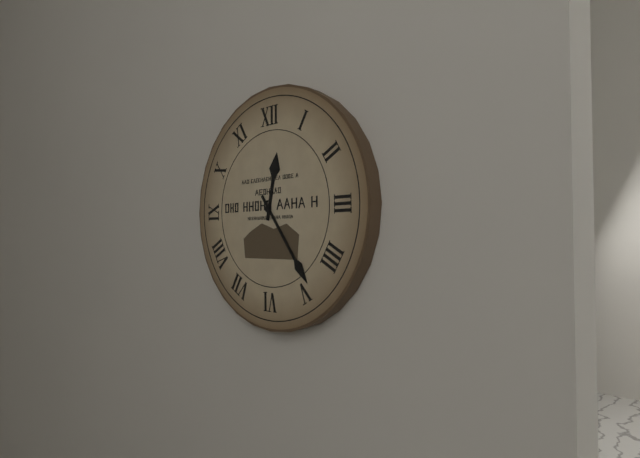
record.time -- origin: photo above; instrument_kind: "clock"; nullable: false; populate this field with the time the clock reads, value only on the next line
12:24
